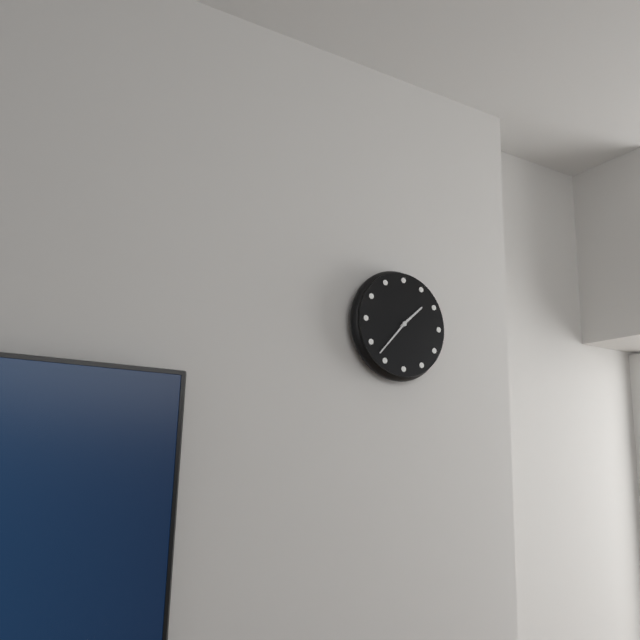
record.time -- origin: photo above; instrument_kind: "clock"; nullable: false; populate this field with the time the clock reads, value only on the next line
1:37
